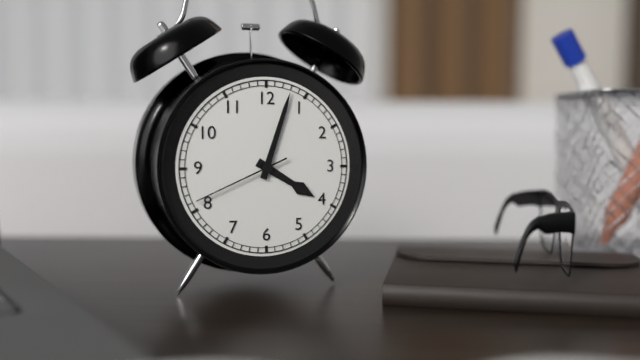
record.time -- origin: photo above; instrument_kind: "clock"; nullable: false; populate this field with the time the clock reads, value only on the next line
4:03:41
